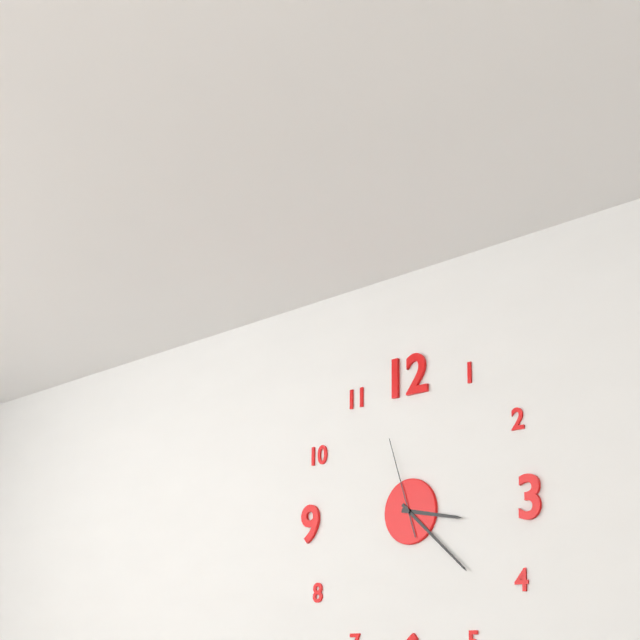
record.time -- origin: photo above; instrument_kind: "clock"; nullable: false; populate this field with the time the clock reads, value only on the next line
3:22:57
